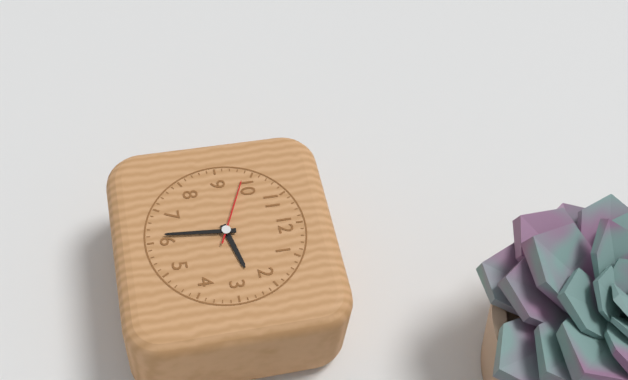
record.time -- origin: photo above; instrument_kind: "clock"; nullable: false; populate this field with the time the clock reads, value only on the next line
2:31:49
